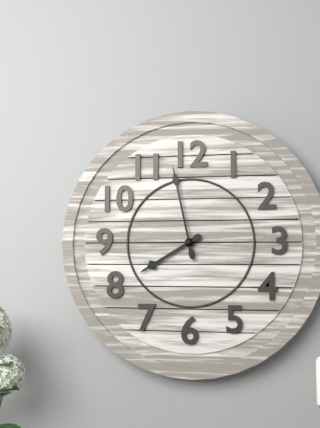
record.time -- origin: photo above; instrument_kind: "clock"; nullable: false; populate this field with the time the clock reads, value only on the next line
7:58
